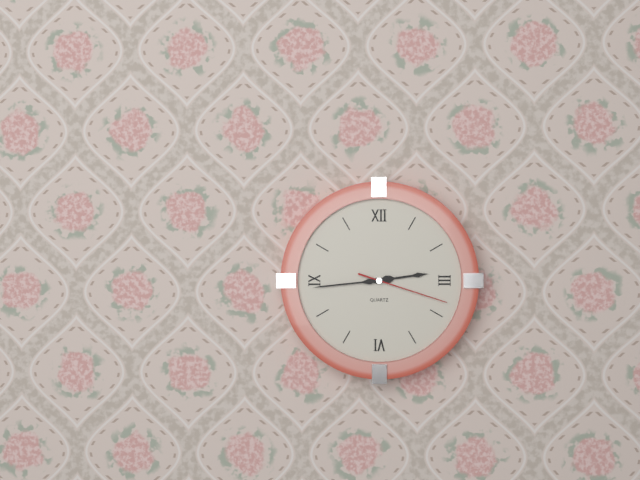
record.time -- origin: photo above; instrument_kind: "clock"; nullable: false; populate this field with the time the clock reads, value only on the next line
2:44:18
